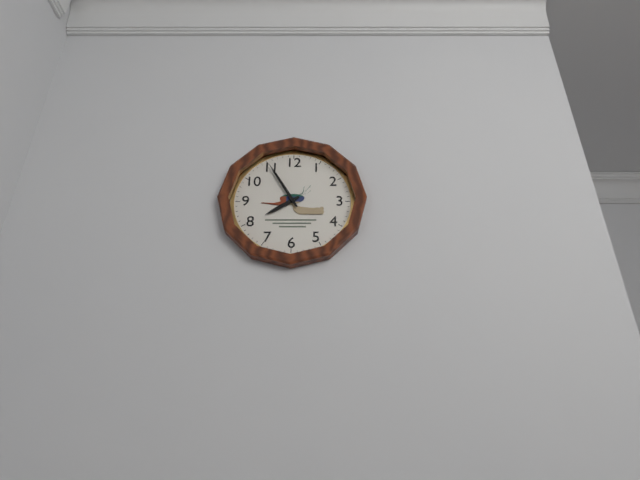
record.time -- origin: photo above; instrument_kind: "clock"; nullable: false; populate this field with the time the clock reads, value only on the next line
7:55
